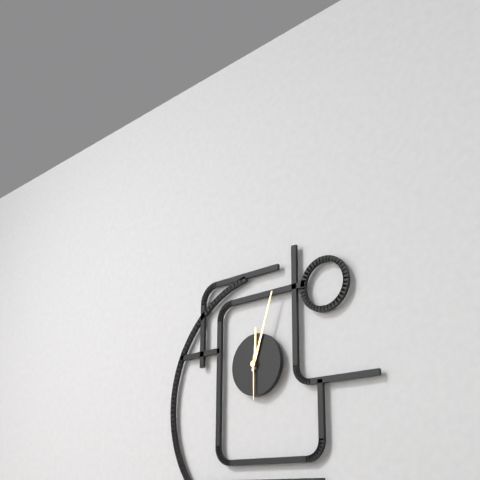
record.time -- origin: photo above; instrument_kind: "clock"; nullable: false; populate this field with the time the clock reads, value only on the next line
12:03
